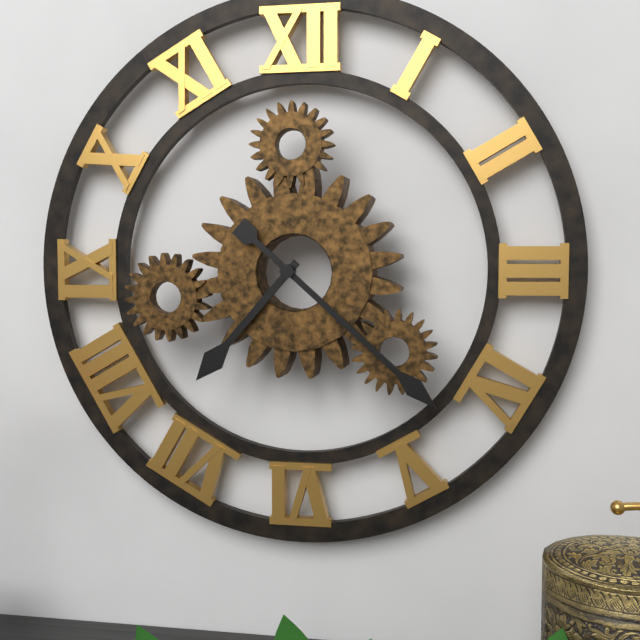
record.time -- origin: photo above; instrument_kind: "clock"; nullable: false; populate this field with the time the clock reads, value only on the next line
7:22
